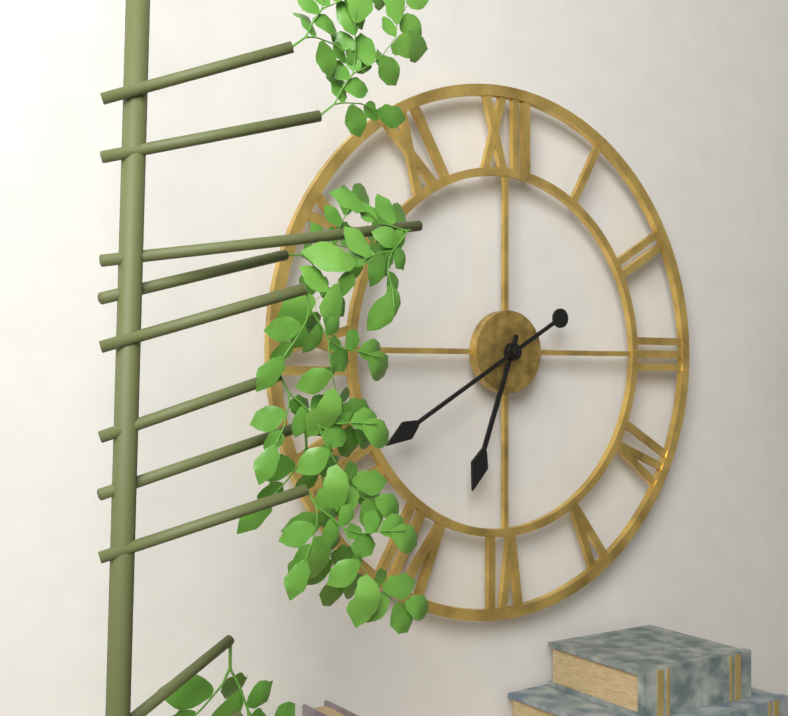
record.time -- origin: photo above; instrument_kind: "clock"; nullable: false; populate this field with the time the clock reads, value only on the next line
6:40
